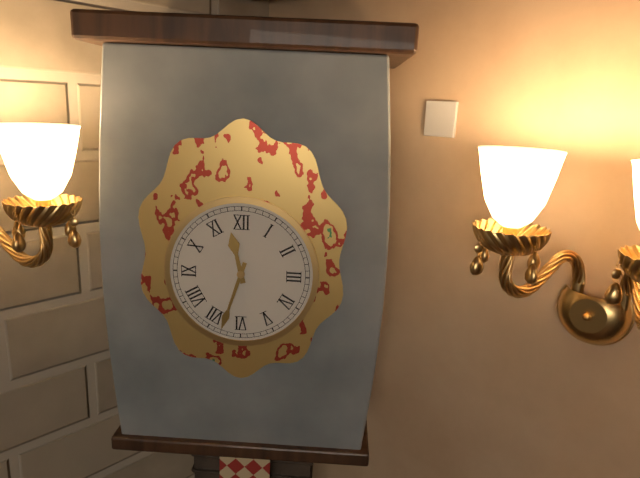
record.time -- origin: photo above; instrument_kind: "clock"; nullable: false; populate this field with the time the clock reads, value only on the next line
11:33
